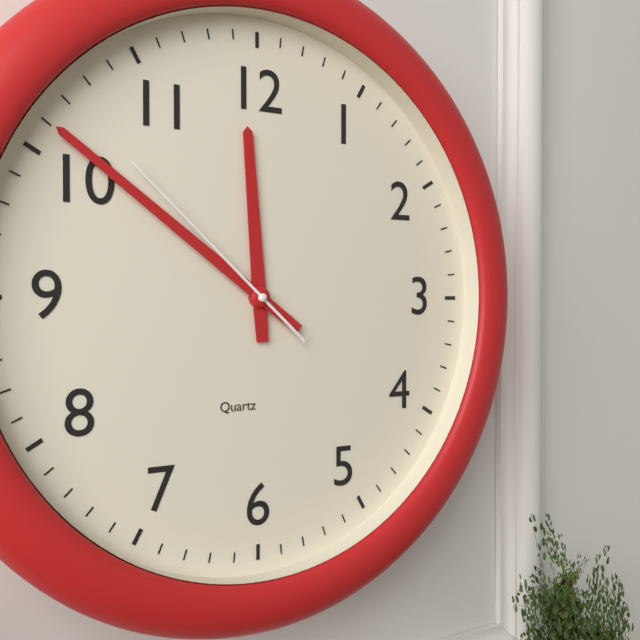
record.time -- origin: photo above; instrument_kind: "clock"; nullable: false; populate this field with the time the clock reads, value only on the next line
11:51:52
